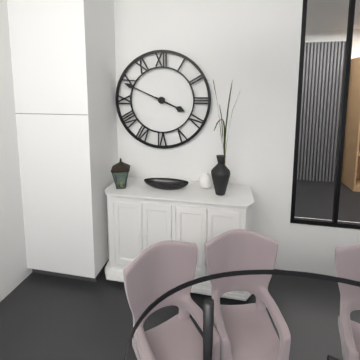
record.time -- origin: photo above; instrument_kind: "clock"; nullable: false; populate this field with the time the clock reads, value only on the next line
3:49
